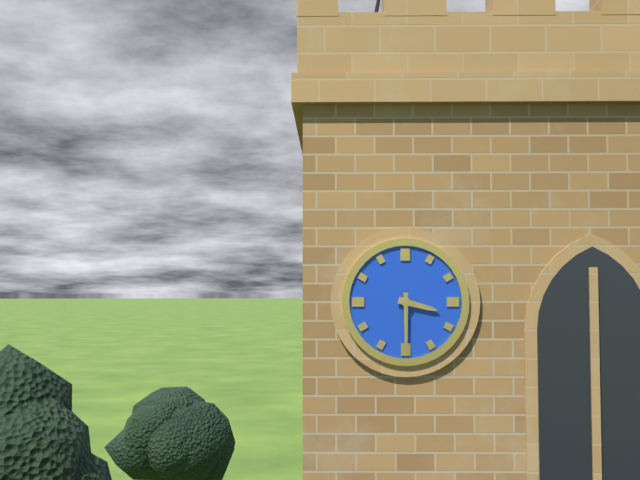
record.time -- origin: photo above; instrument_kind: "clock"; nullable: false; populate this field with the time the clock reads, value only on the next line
3:30
